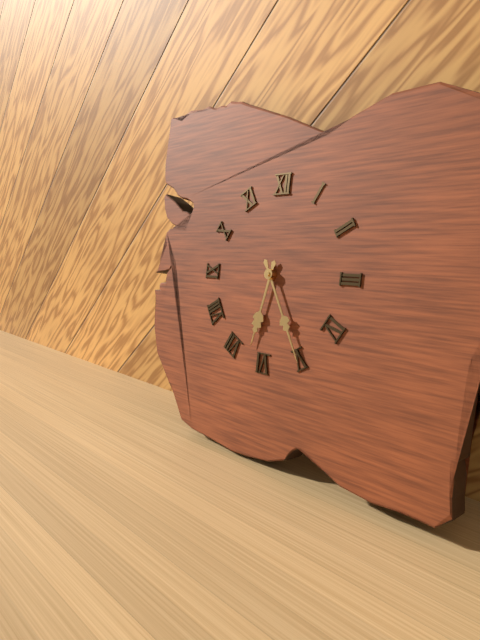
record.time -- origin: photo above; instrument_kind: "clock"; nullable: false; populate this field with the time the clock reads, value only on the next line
6:25
